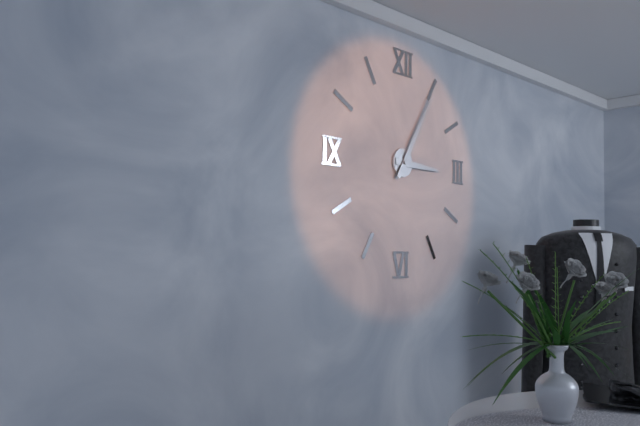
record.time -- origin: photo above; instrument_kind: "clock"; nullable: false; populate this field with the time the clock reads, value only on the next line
3:05
